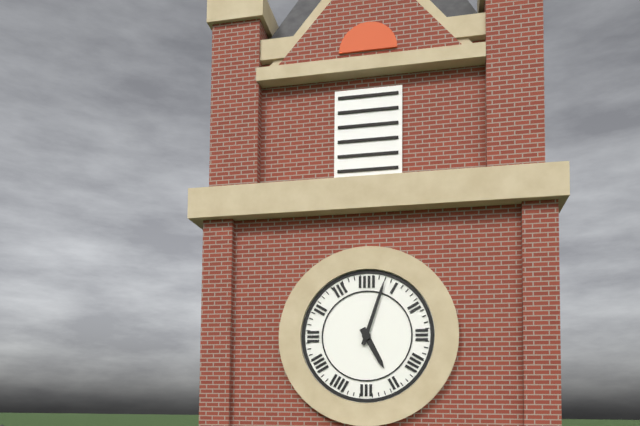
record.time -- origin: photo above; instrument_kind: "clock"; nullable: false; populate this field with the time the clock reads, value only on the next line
5:03
